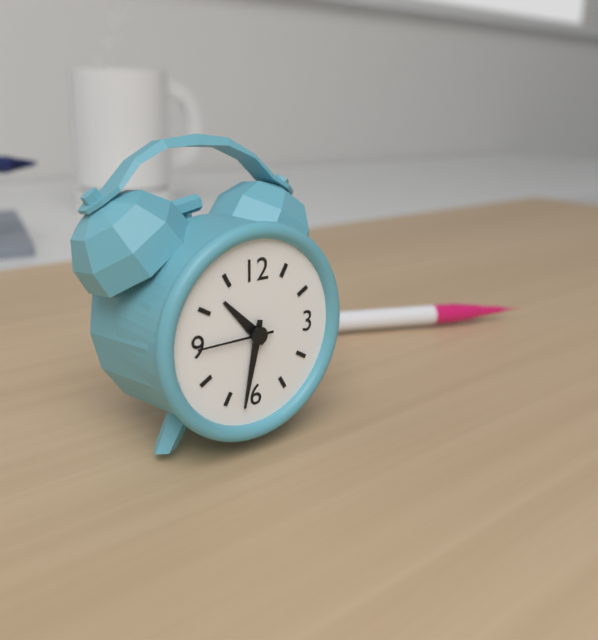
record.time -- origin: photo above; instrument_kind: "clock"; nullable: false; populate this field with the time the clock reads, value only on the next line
10:32:45
